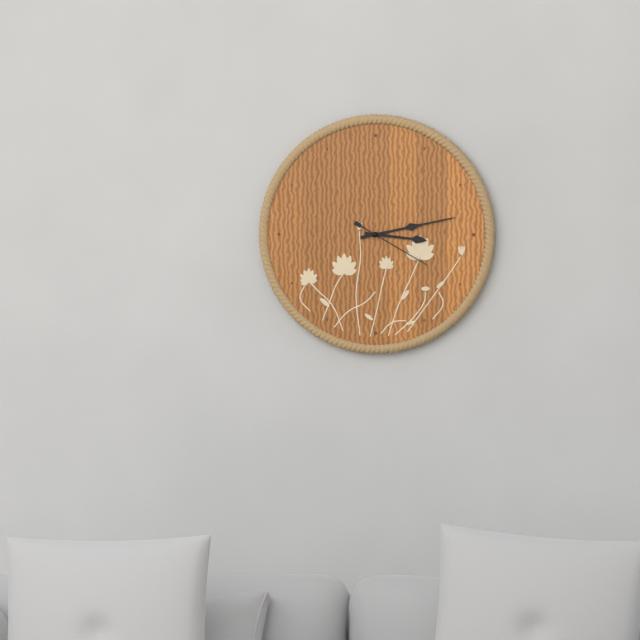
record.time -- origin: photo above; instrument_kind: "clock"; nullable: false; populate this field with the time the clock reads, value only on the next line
3:13:20
